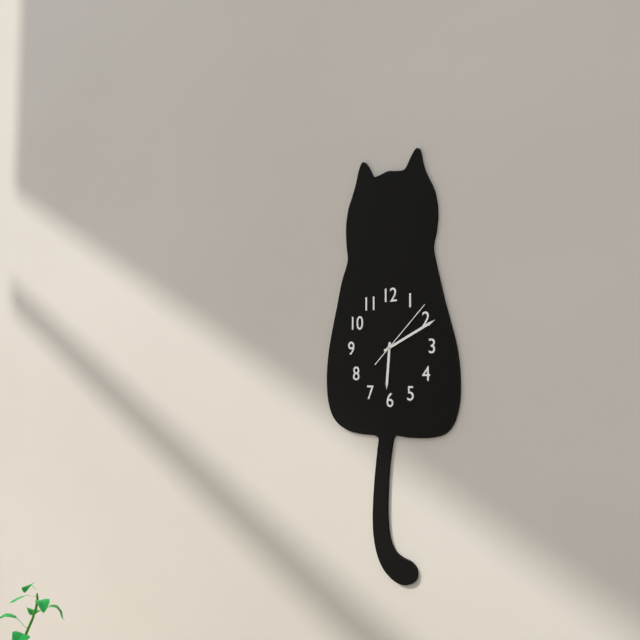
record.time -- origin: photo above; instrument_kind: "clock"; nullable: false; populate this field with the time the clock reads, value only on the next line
6:11:08
